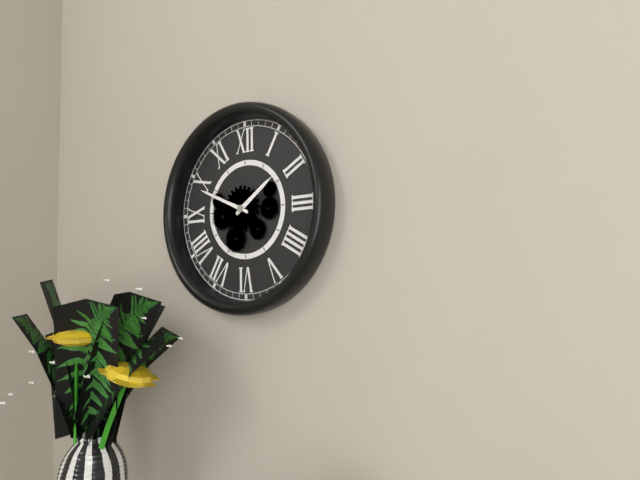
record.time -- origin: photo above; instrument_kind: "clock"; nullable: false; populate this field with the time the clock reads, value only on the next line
1:49
